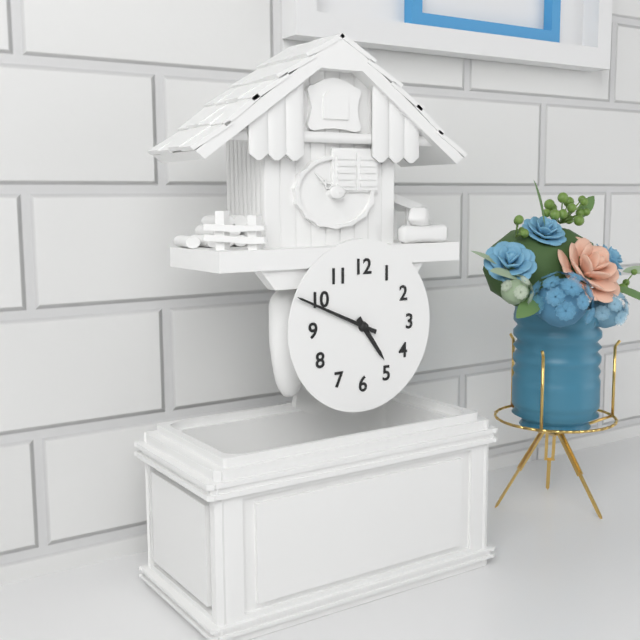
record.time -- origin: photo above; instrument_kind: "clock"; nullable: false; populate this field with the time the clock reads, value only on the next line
4:49
